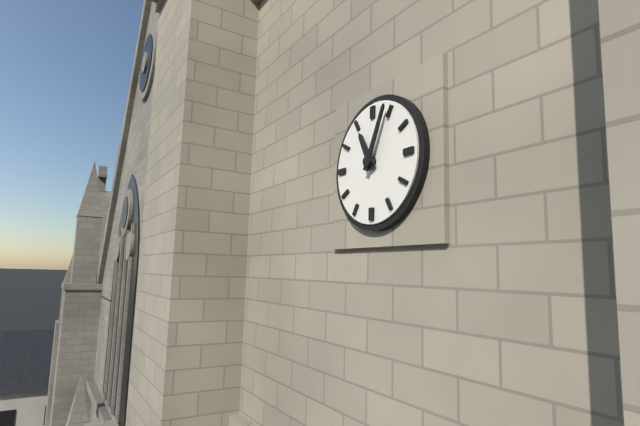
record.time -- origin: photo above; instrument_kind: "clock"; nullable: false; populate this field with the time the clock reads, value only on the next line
11:04
